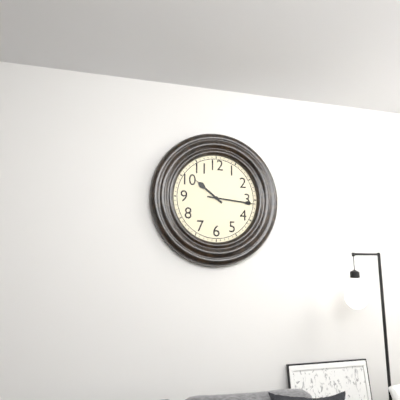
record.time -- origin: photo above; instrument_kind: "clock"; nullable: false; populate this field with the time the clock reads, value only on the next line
10:16
